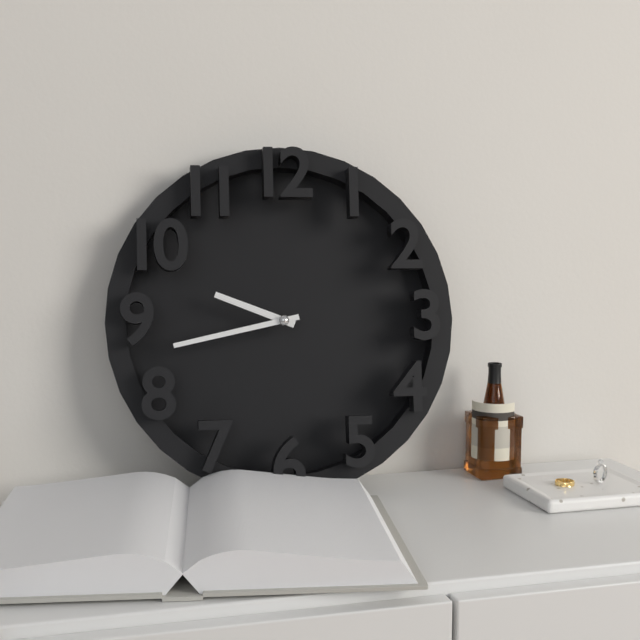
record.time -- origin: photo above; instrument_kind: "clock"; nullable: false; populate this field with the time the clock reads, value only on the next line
9:43
